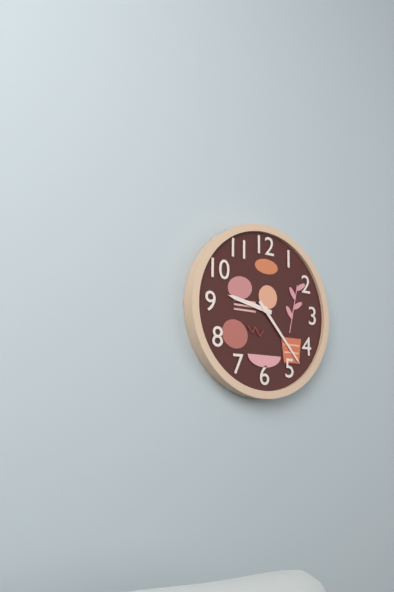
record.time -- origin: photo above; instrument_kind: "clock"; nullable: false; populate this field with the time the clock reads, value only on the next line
9:23
